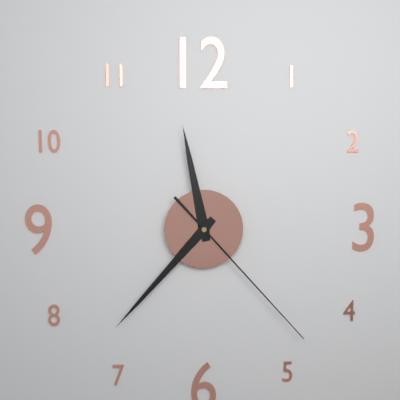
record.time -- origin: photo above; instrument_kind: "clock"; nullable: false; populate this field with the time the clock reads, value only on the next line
11:37:23
